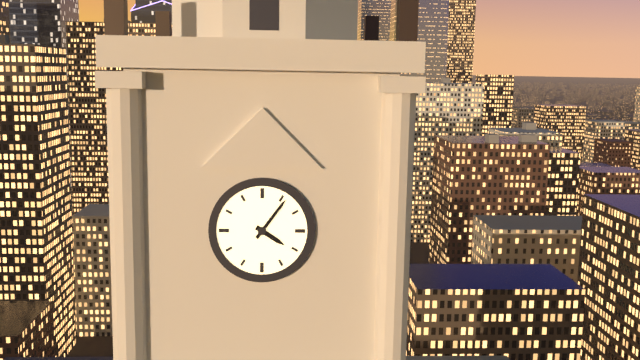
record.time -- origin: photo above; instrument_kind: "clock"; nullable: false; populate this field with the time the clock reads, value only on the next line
4:06
